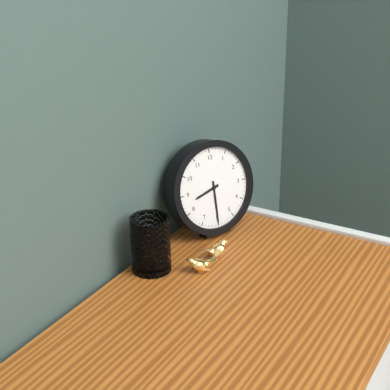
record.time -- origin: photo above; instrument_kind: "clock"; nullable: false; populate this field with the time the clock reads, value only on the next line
8:30
